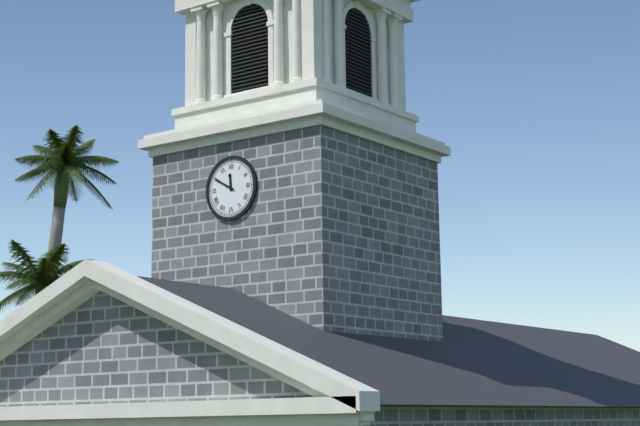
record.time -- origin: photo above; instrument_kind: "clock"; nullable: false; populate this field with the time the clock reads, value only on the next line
11:50
